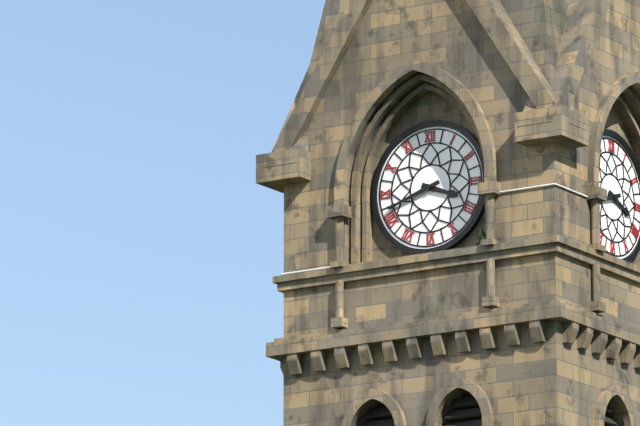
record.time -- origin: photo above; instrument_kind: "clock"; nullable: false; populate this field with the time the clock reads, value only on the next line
3:42
